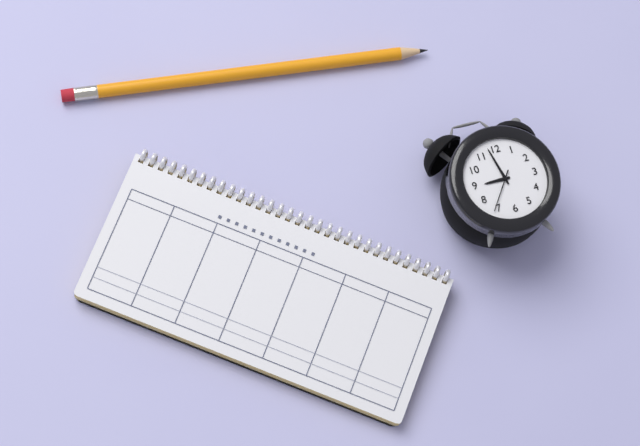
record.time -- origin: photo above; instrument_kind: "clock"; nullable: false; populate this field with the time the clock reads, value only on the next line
8:58
